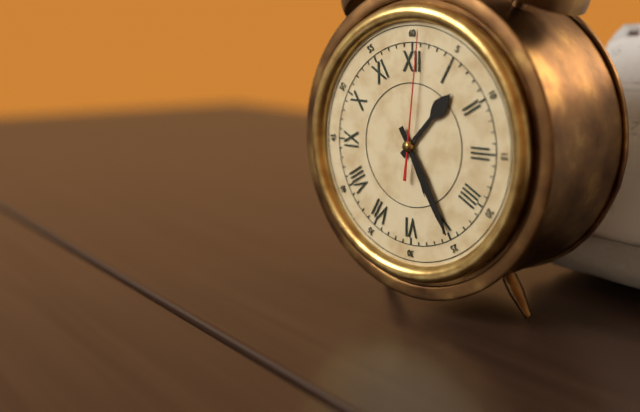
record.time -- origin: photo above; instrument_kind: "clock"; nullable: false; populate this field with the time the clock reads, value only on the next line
1:25:01
